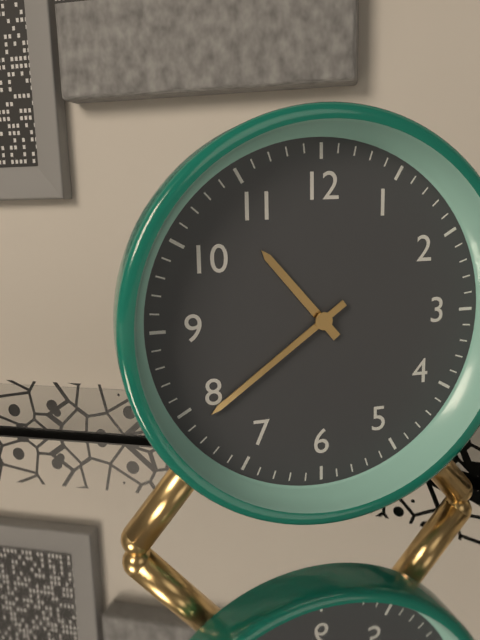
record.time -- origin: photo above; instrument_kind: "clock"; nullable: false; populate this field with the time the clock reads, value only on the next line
10:39
